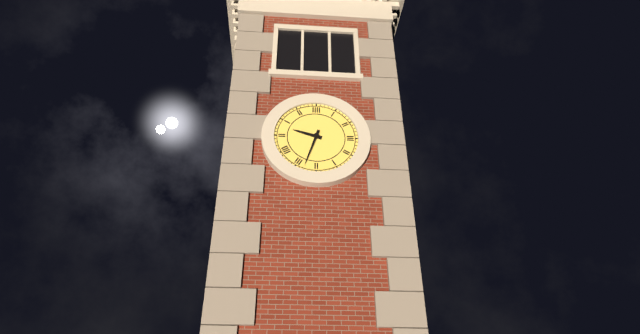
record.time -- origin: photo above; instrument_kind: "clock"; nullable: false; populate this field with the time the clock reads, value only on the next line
9:33
